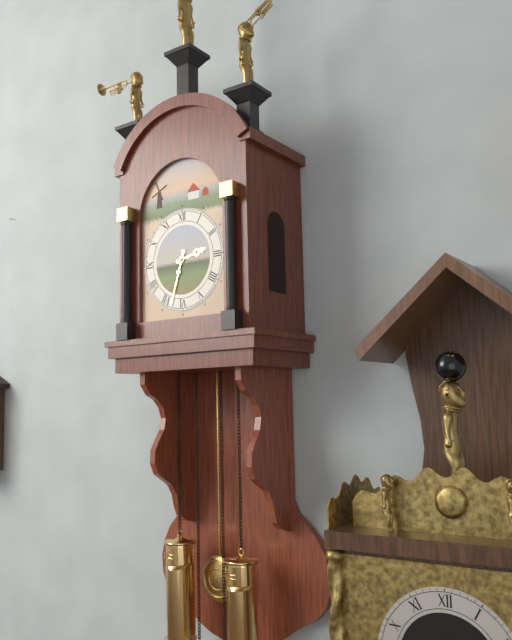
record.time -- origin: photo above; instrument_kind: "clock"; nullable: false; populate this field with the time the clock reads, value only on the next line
2:33
